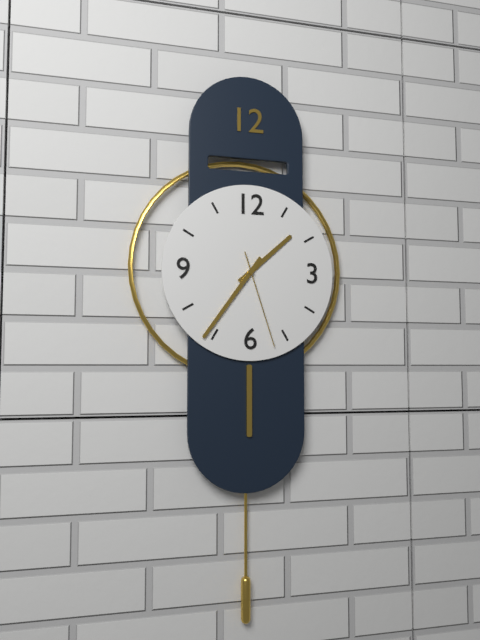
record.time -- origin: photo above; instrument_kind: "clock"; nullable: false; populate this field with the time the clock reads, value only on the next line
1:36:27
